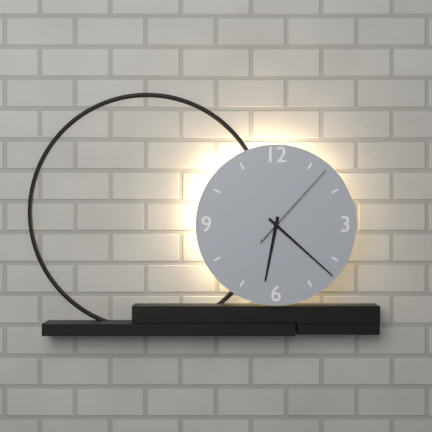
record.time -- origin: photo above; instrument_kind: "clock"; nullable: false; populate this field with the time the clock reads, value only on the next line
6:22:07
